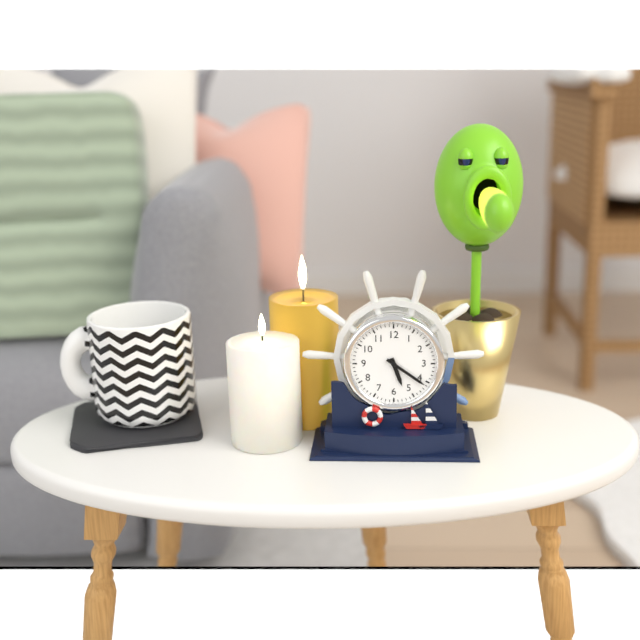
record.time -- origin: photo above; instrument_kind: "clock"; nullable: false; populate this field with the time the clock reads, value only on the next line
5:21
